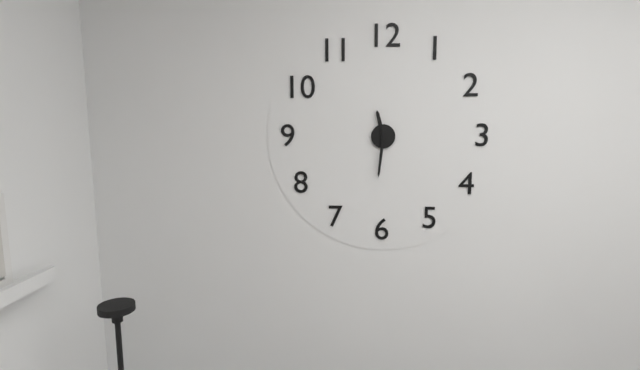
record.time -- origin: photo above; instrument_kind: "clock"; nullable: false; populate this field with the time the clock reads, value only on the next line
11:31
